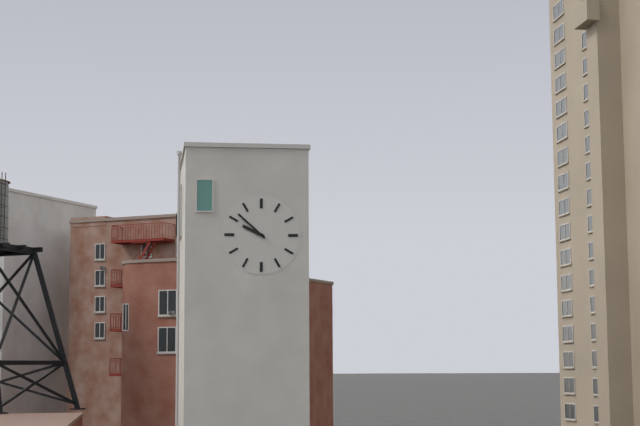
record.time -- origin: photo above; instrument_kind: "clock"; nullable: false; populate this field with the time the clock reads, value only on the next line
9:52
